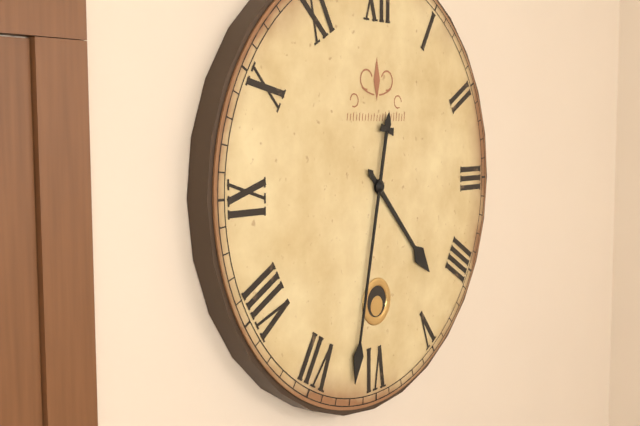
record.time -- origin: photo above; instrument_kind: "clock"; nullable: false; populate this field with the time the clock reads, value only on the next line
4:32
